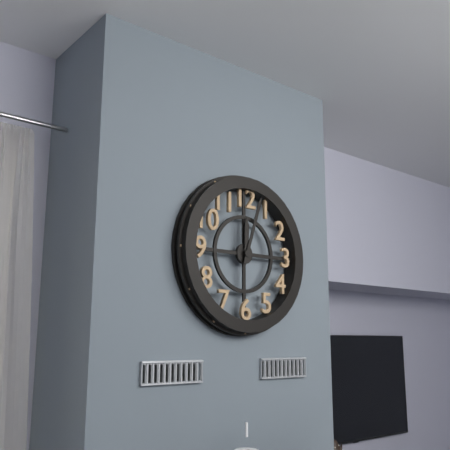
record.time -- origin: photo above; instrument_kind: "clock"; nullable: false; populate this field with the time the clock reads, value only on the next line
12:03
